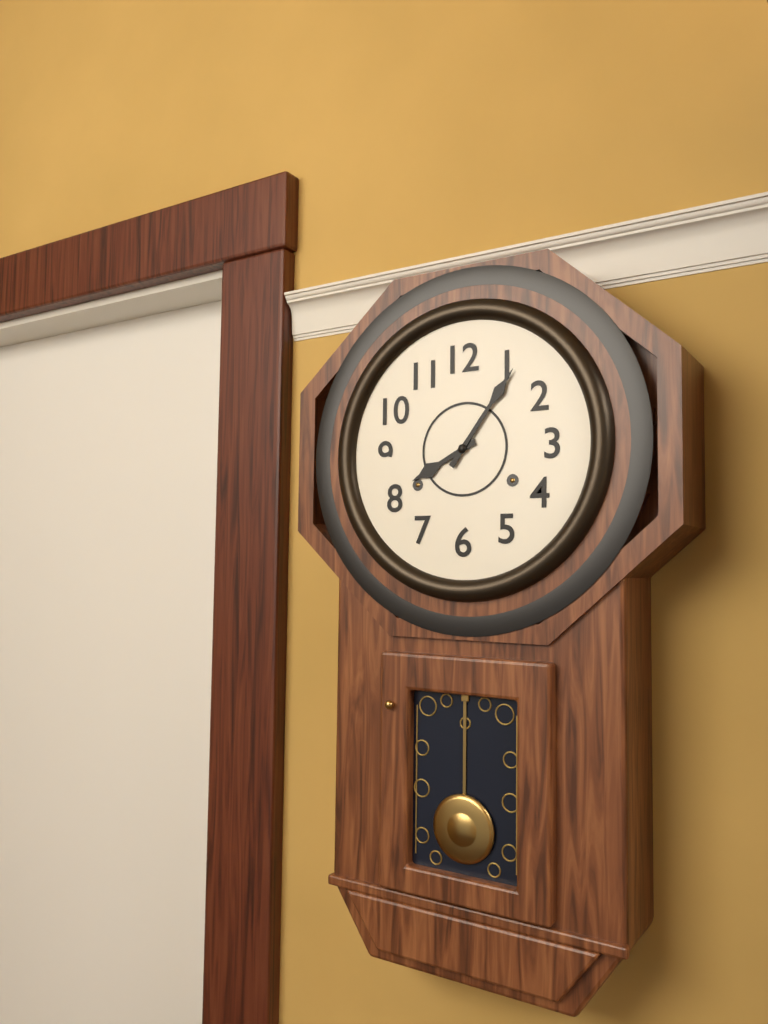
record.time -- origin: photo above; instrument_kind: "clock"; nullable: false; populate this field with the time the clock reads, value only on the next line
8:06
